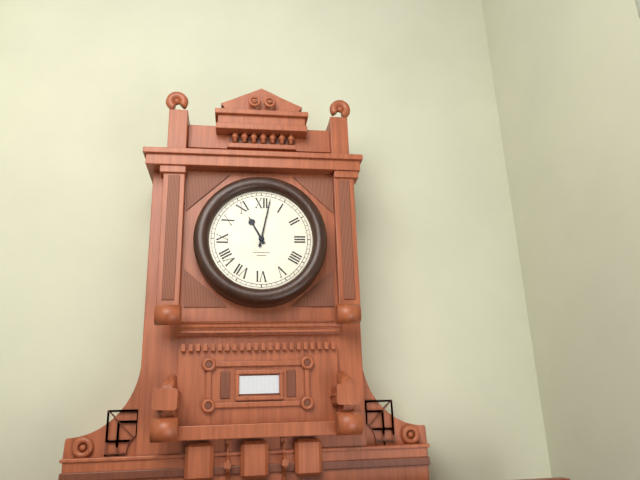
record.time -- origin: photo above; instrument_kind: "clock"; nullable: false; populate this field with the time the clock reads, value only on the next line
11:02
